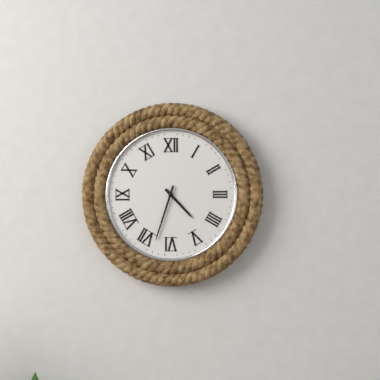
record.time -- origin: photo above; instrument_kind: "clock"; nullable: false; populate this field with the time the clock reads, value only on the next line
4:33
